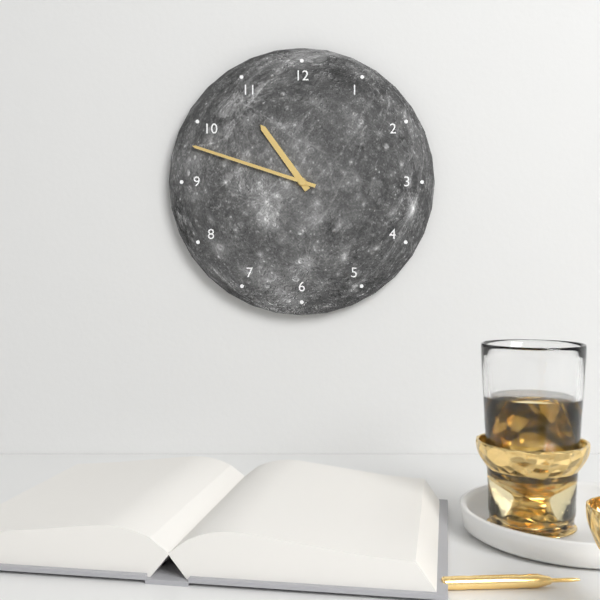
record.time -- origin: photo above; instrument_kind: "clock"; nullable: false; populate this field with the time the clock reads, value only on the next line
10:48
